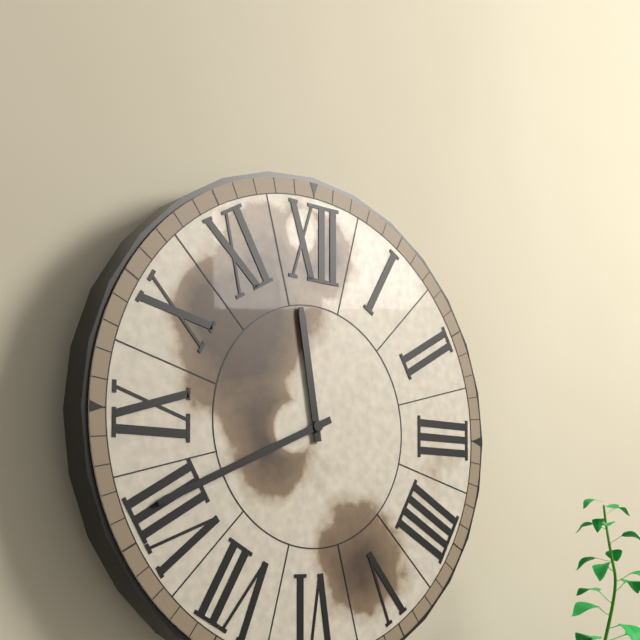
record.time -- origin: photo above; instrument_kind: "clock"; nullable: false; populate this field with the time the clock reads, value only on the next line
11:41
